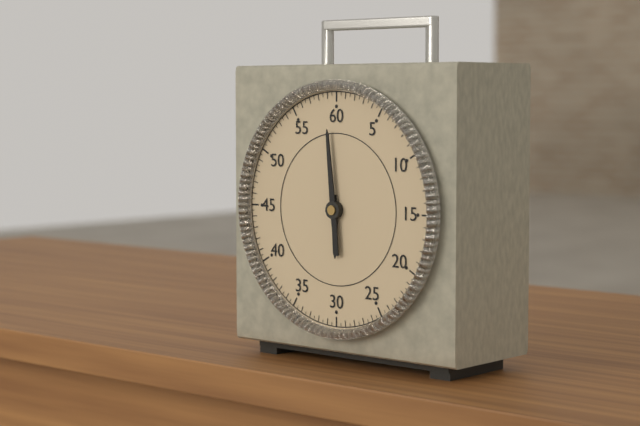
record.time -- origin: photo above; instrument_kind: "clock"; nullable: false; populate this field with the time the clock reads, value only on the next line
5:59
